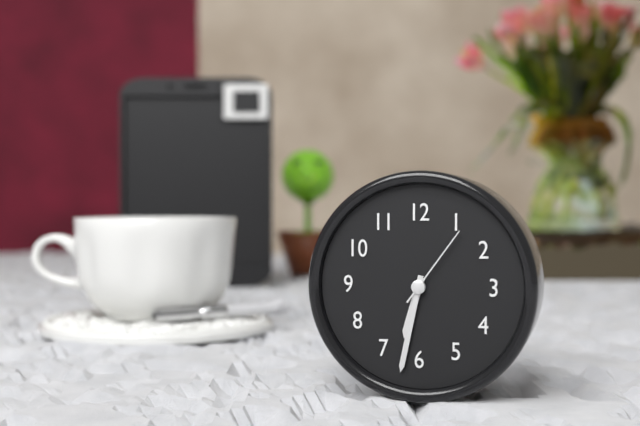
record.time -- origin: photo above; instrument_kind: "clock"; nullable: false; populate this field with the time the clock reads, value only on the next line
6:32:06
